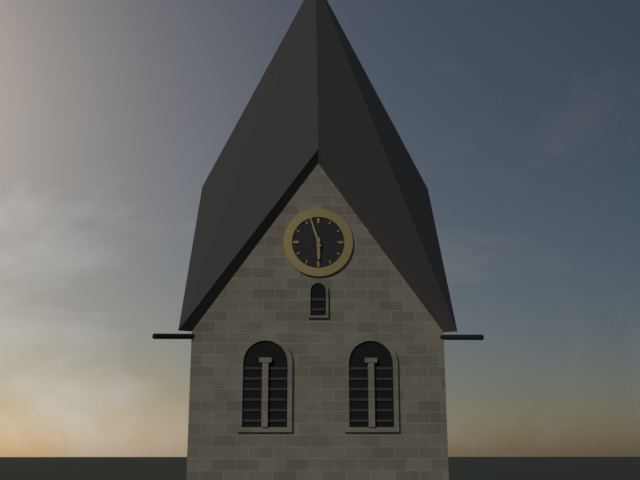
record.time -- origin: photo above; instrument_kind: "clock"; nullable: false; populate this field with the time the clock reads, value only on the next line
5:57
